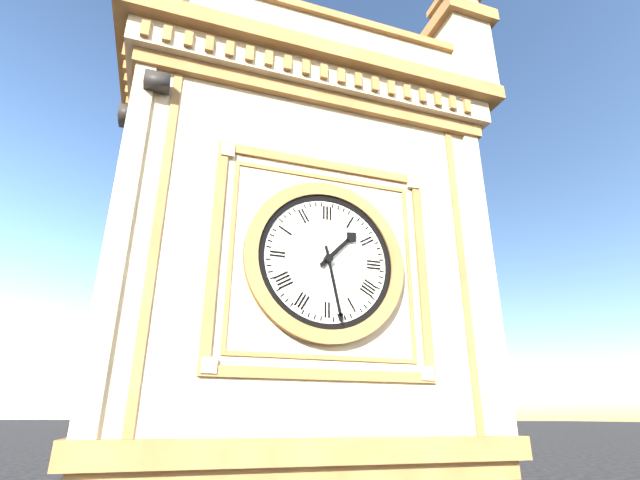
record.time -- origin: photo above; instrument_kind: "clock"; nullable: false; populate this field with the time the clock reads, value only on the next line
1:28
